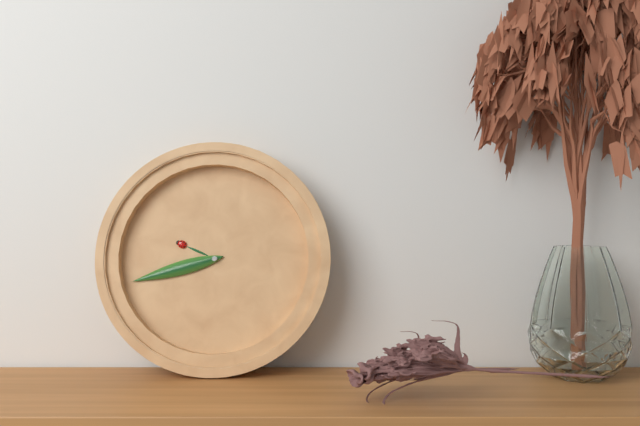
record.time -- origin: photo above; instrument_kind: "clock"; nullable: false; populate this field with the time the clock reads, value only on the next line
9:42
